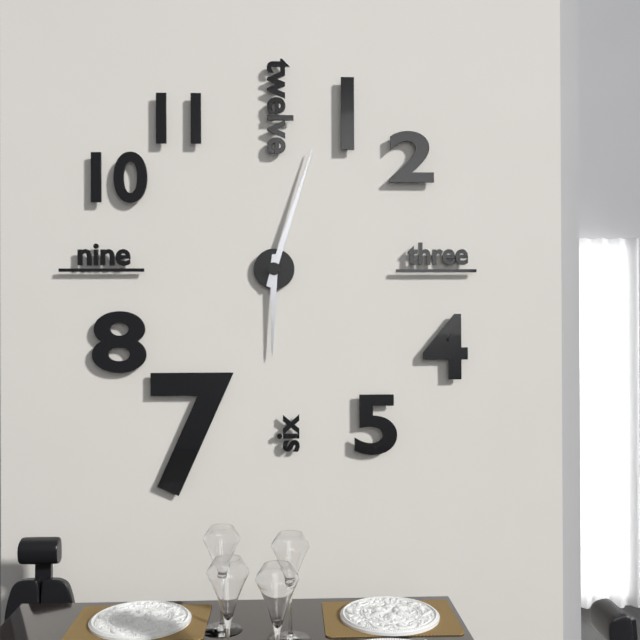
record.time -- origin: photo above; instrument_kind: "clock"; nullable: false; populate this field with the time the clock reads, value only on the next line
6:03
